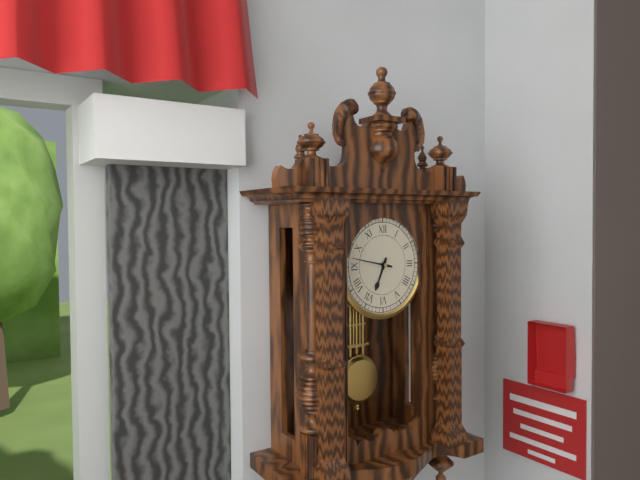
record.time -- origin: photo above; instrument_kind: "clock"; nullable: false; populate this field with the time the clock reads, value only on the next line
6:47
